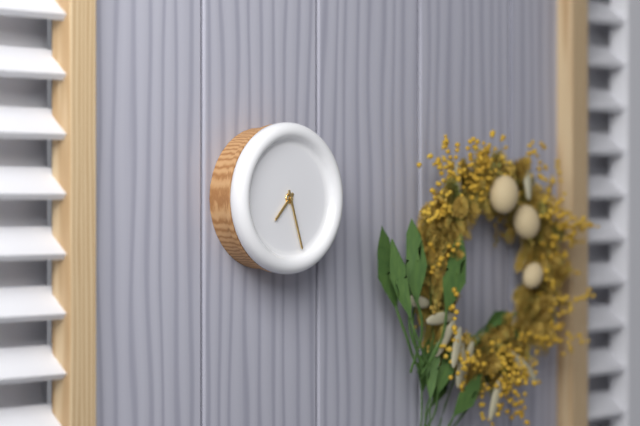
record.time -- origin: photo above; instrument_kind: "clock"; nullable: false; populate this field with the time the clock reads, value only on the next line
7:27
